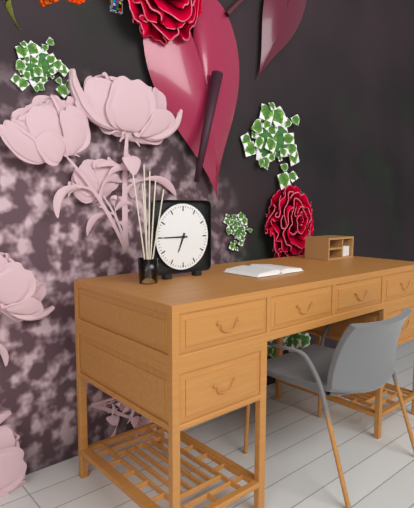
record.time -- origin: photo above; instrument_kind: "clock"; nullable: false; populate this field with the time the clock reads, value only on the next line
6:45
